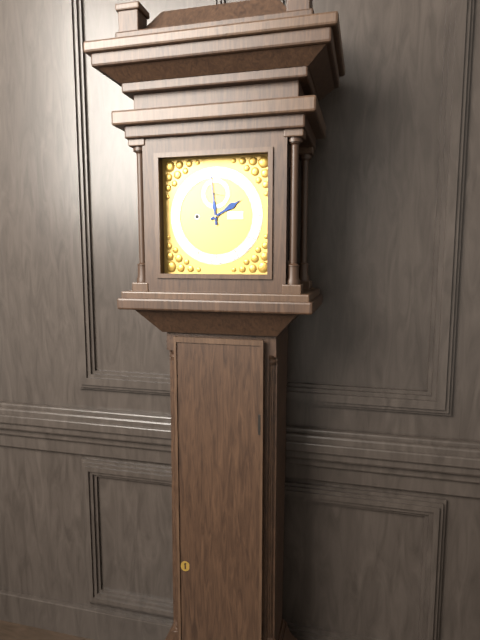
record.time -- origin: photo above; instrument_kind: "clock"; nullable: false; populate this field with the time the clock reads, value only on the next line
1:59
